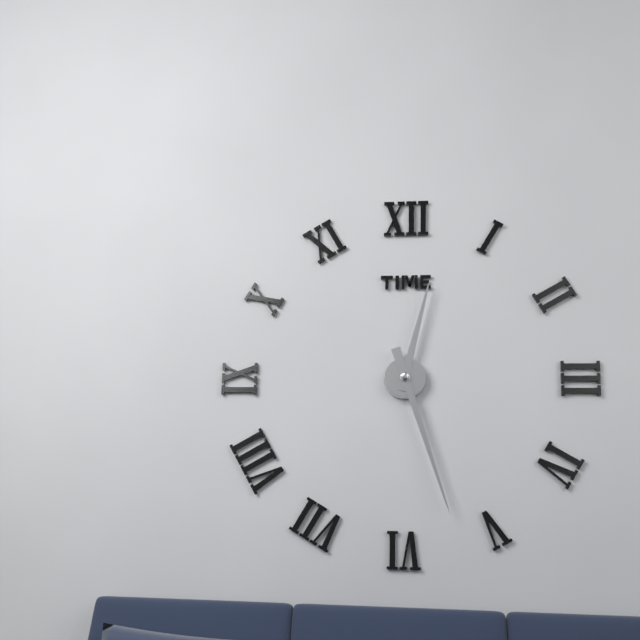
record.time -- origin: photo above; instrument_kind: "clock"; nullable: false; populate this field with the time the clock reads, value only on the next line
12:27
